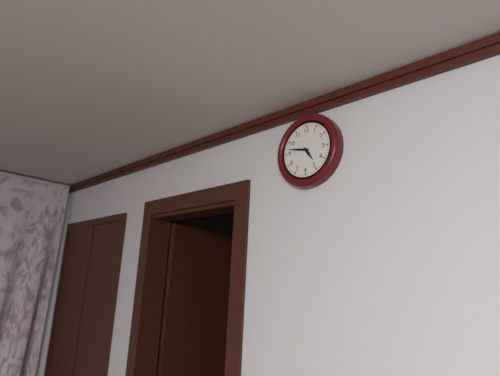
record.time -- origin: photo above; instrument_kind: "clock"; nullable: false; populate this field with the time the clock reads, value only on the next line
4:47
